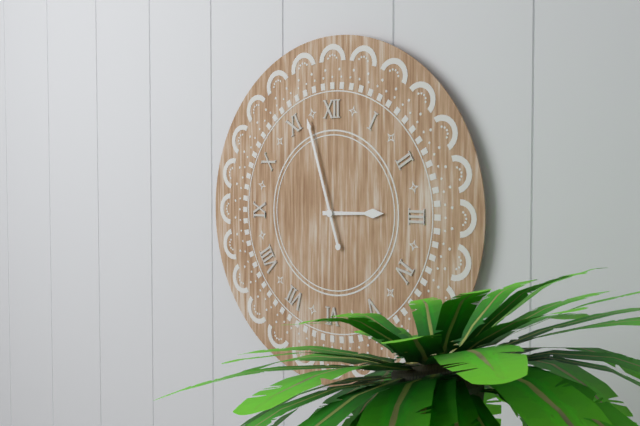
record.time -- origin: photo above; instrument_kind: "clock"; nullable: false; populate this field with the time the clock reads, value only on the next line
2:57
